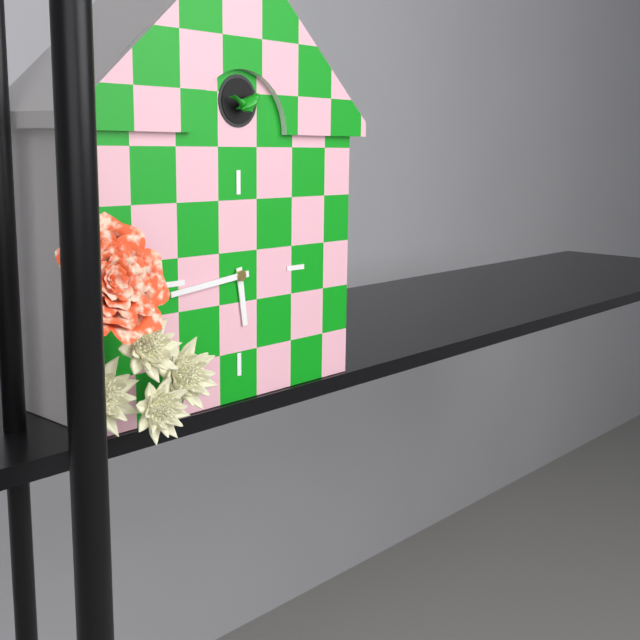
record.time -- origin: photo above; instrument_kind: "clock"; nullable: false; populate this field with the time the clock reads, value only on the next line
5:44
